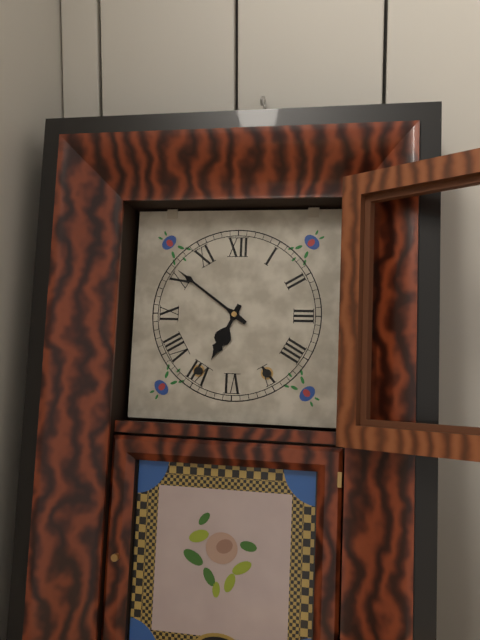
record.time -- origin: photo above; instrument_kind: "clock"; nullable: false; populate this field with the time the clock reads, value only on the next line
6:51
